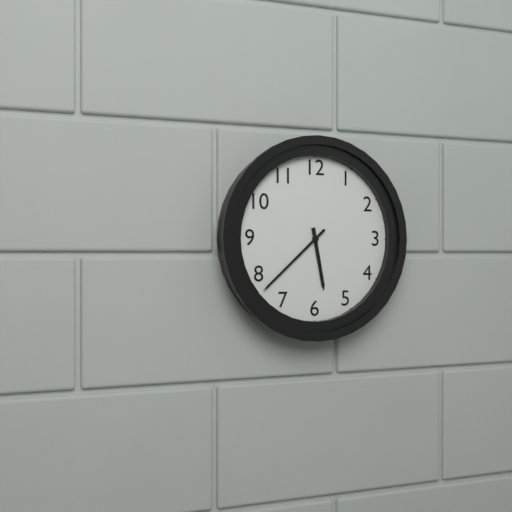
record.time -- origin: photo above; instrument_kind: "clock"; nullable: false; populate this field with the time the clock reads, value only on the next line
5:38
